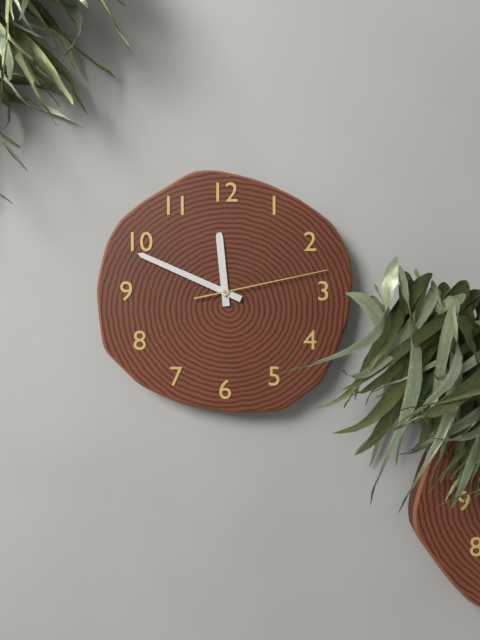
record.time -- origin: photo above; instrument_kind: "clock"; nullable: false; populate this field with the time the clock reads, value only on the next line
11:49:13
